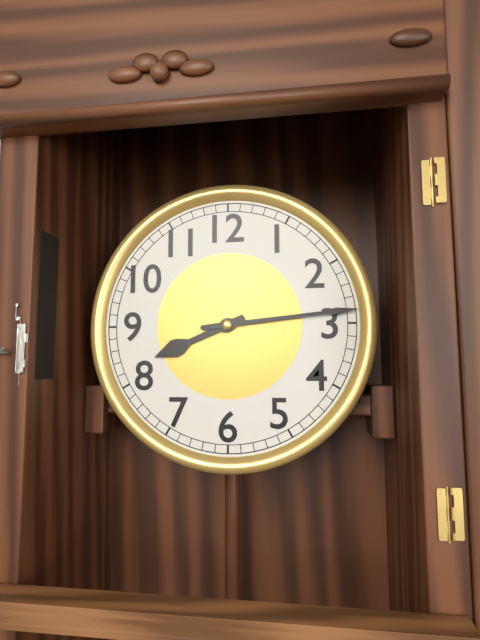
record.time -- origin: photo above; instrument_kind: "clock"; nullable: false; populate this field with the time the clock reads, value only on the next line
8:14
